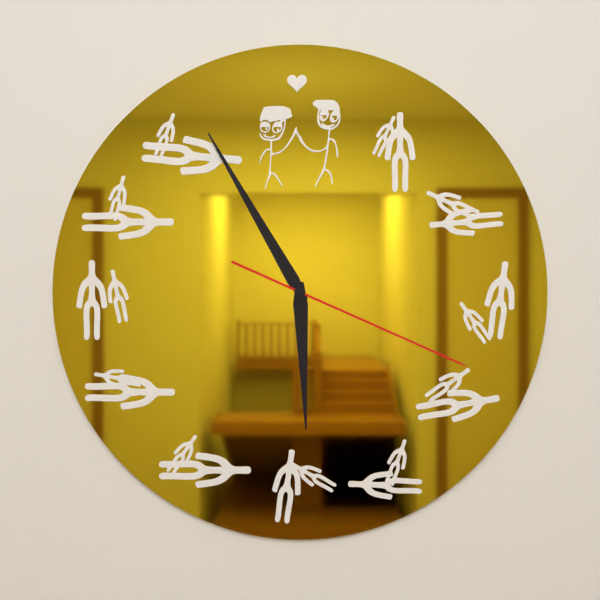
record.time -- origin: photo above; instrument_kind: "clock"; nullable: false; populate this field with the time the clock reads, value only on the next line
5:55:19
